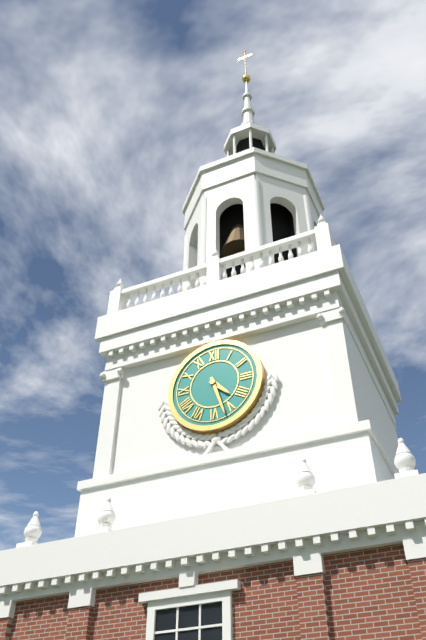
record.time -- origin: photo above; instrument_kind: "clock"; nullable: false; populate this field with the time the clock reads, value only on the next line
4:27
